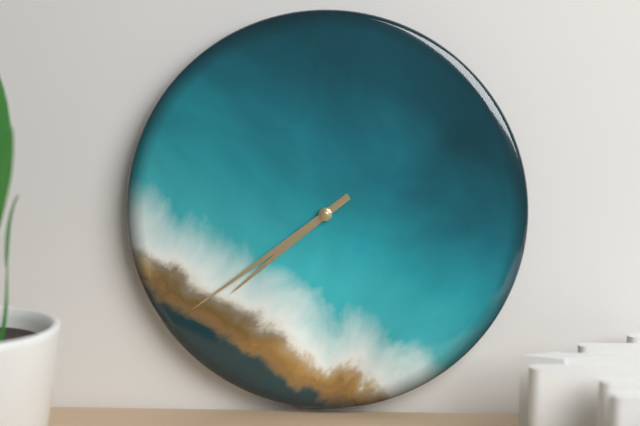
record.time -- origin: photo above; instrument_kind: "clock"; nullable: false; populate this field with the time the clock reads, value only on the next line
7:39
